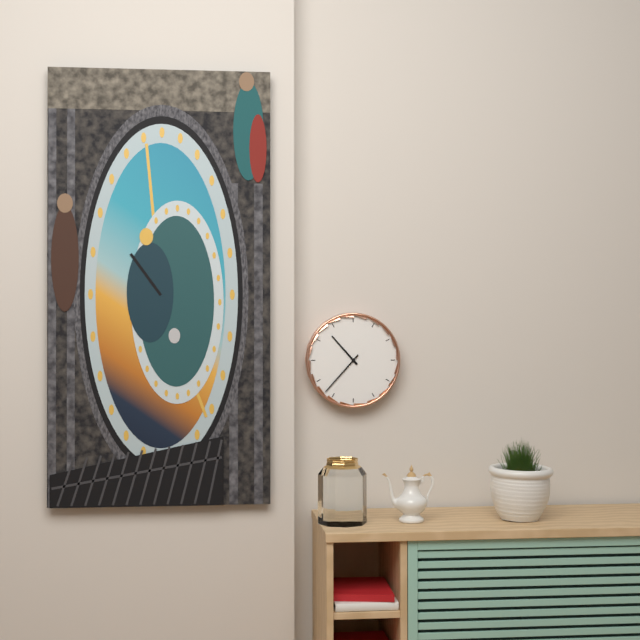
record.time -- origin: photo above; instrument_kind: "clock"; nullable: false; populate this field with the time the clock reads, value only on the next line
10:37
